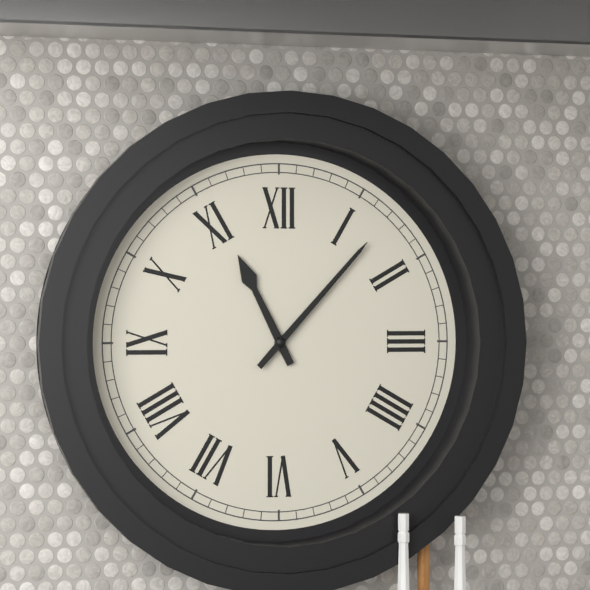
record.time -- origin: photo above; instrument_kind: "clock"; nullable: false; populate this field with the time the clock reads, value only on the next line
11:07
